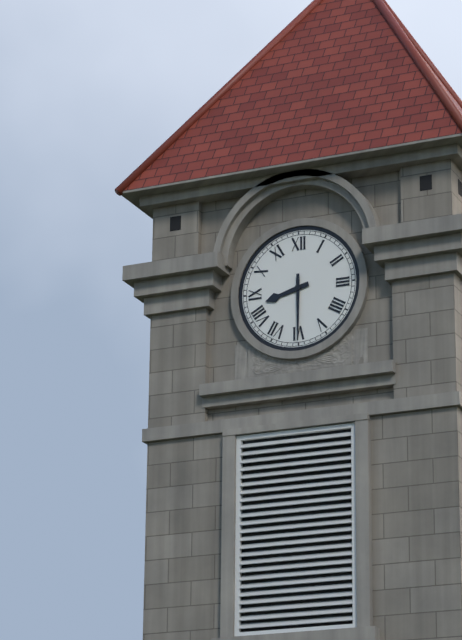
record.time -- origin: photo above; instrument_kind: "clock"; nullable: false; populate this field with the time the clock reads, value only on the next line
8:30
